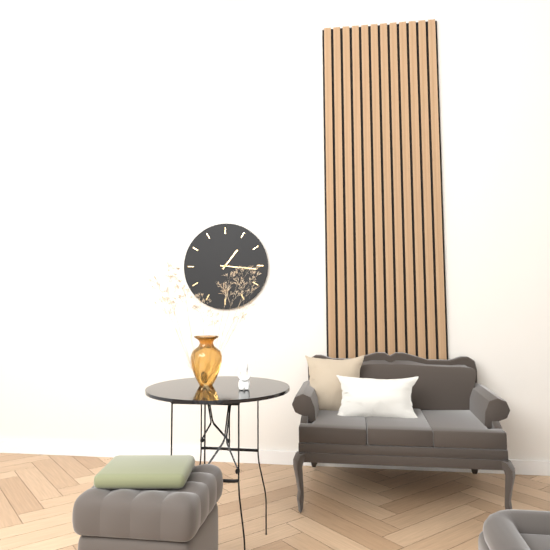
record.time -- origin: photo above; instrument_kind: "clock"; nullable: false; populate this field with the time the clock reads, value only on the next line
1:16
